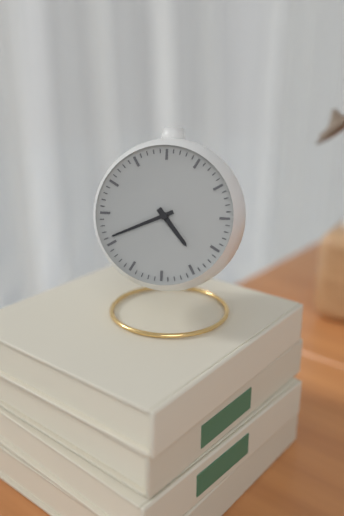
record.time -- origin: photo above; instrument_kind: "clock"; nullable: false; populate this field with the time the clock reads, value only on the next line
4:41
